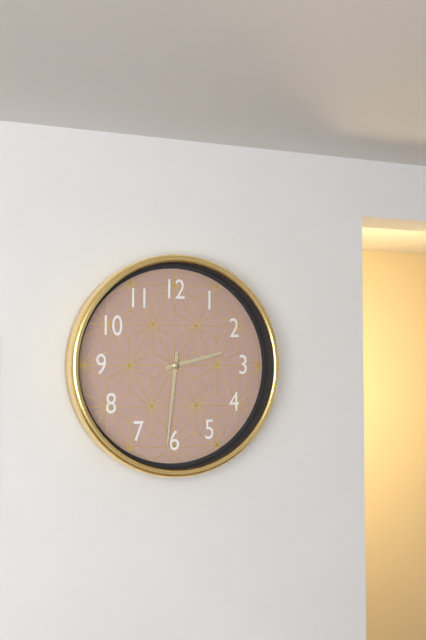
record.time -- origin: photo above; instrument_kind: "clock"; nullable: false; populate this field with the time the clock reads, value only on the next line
2:31
